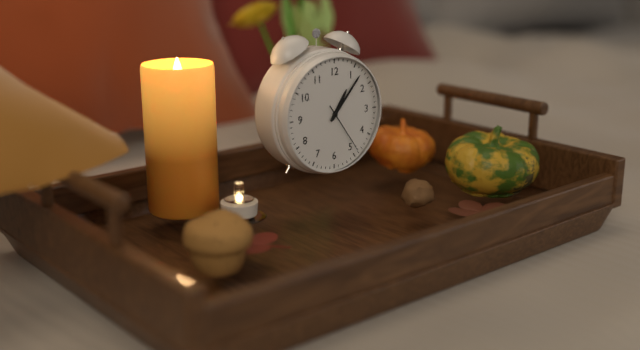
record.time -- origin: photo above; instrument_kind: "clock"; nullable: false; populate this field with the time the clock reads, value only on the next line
1:07:24
